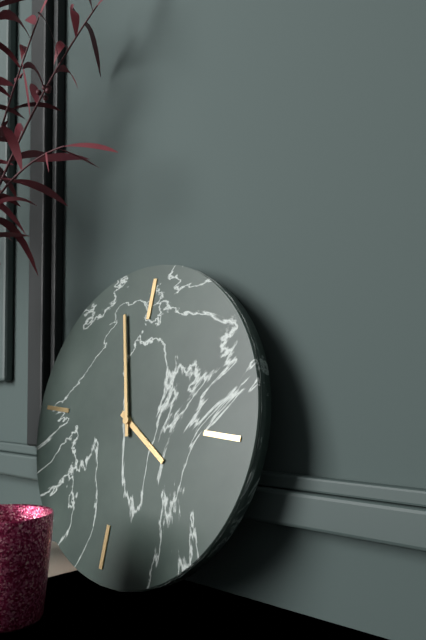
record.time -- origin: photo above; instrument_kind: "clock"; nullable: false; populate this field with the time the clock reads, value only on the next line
3:57
